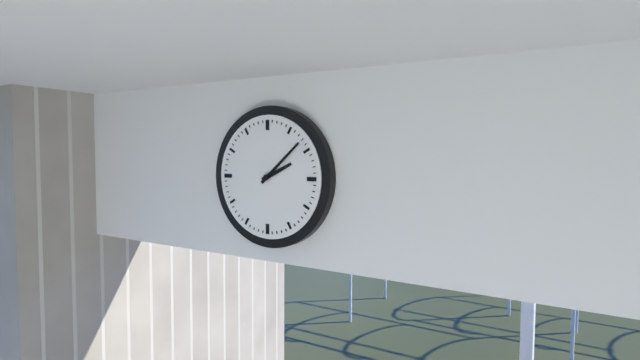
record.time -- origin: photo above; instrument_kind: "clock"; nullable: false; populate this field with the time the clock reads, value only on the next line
2:08
